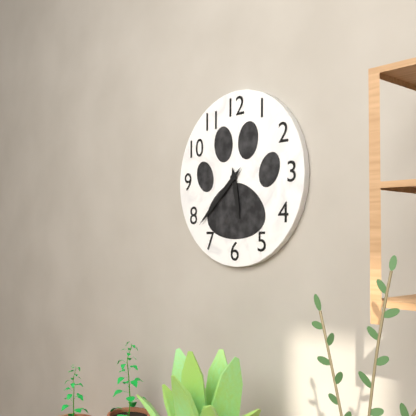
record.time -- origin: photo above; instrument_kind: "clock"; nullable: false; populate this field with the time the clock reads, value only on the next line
5:38
